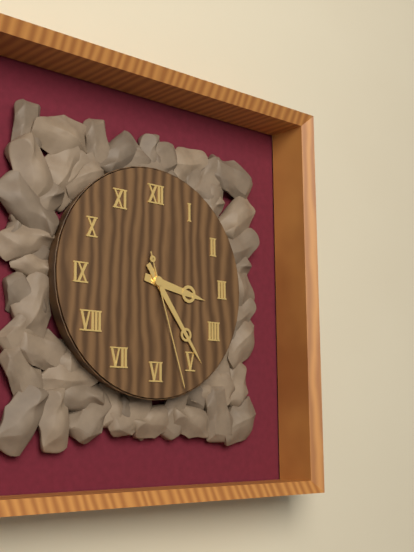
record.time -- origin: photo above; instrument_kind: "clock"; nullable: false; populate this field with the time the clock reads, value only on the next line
3:24:27
